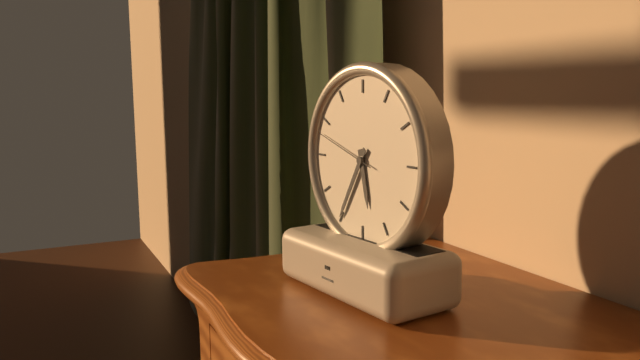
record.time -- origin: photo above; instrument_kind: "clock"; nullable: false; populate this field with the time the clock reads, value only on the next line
5:35:48
